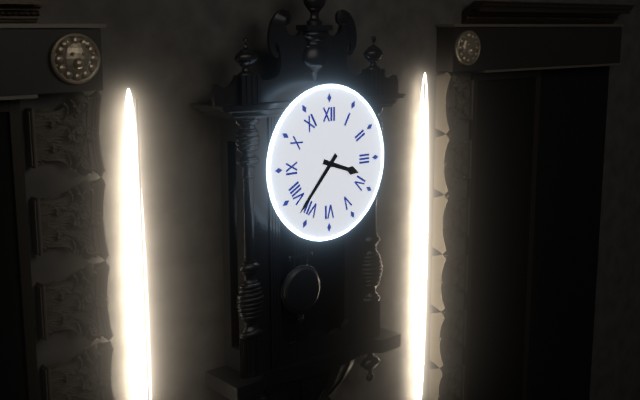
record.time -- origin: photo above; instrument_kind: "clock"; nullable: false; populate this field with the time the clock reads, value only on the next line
3:37
